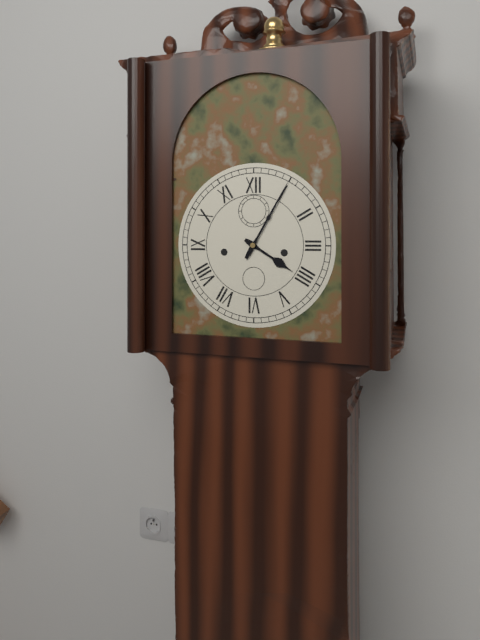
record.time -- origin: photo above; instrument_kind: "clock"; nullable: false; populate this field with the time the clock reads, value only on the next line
4:05
